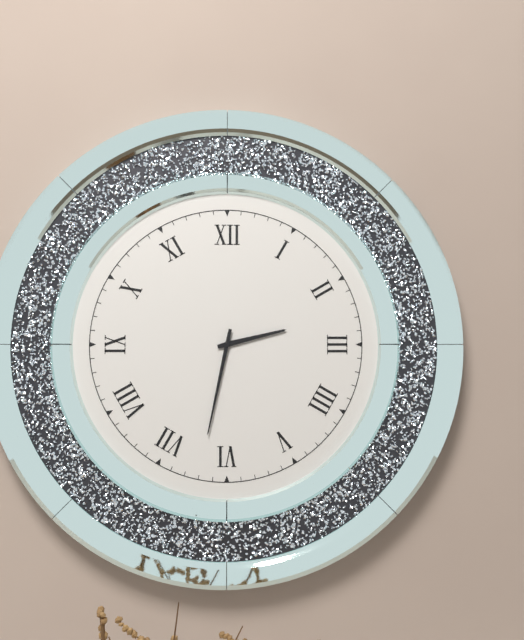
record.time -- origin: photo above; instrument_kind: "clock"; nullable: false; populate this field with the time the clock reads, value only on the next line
2:32
